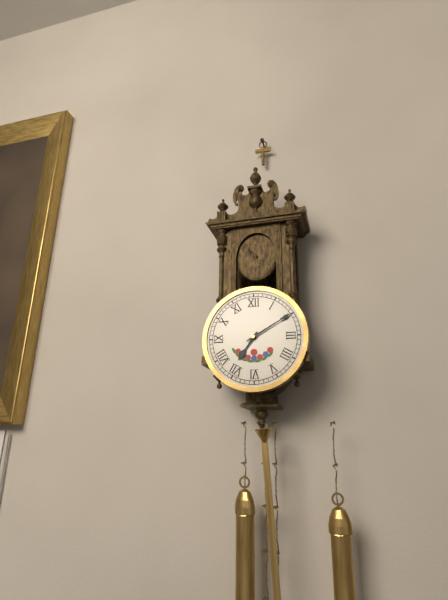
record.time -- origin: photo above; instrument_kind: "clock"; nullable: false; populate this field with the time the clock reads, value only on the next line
7:10
